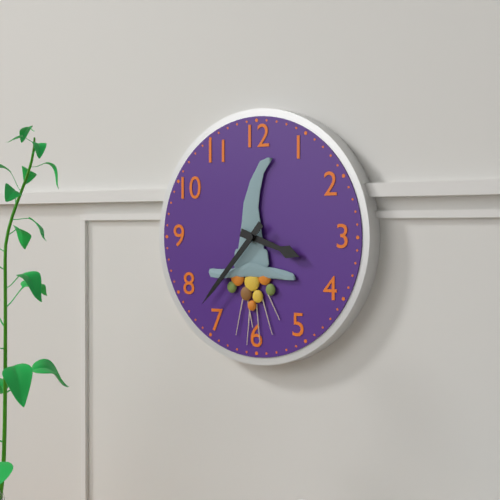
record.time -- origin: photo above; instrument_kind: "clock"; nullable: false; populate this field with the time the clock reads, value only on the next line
3:37
